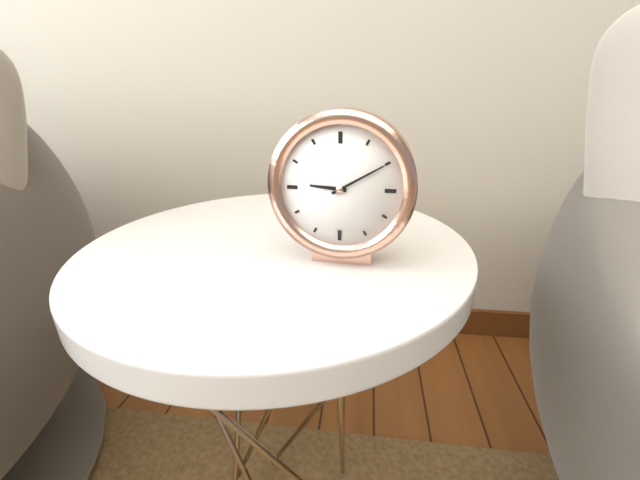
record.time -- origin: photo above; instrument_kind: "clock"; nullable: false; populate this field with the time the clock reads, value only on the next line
9:10
